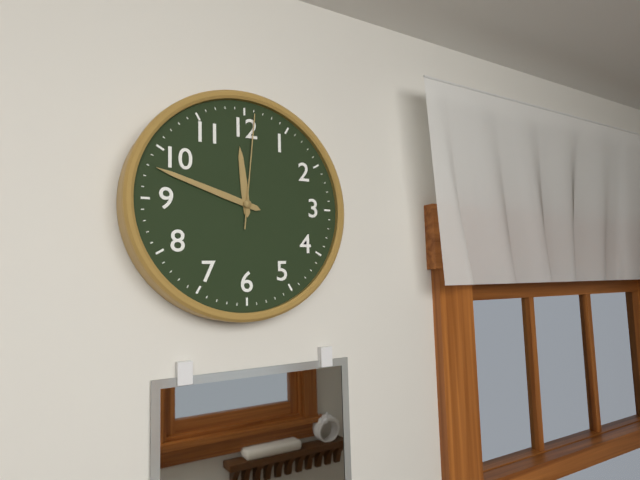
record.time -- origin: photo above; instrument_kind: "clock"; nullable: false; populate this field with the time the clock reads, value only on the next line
11:48:01
